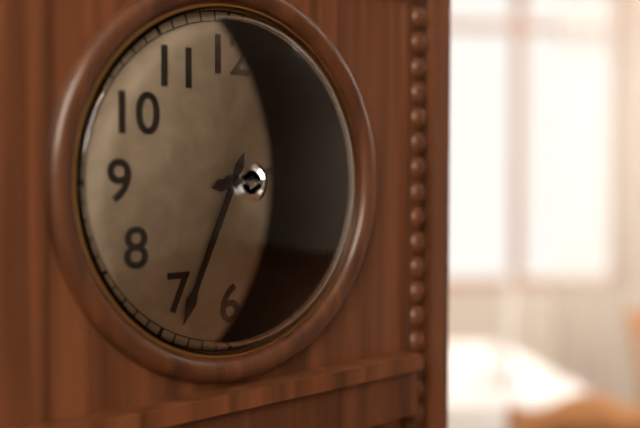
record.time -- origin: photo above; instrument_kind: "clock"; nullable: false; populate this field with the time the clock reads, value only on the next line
2:34
